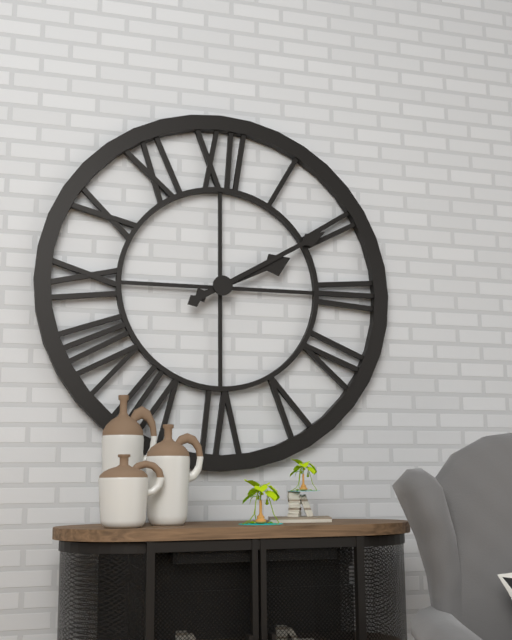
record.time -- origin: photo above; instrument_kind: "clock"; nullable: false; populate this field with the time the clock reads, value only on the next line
2:10
